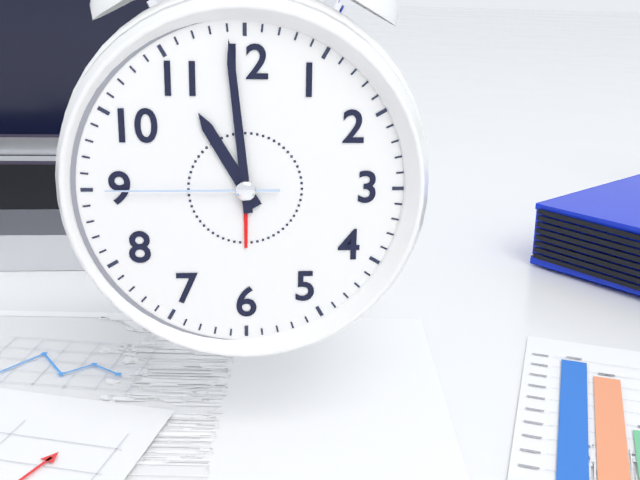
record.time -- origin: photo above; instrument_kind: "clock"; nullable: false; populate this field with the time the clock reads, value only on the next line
10:59:45
